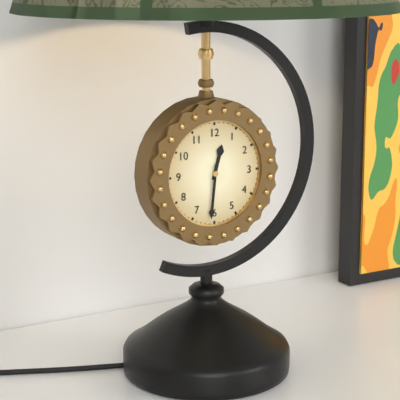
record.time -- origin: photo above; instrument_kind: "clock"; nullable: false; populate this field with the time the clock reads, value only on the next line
12:31
